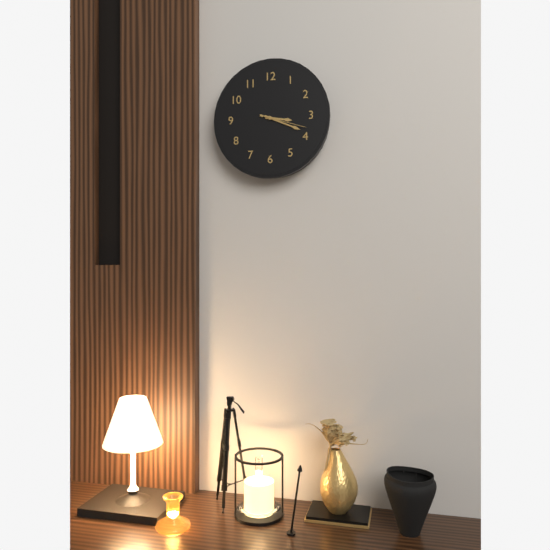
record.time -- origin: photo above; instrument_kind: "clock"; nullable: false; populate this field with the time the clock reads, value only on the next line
3:19
